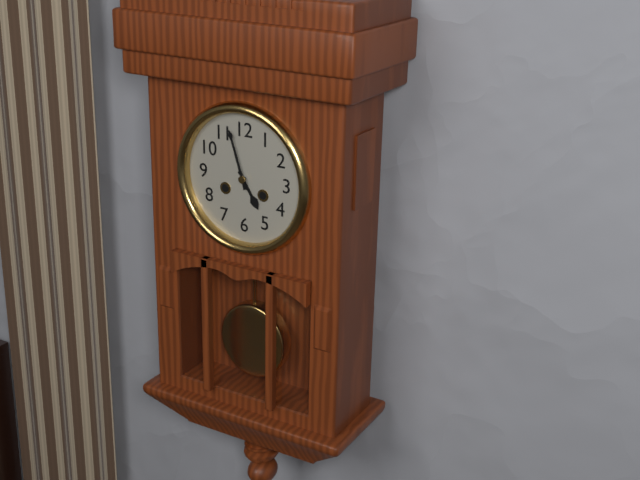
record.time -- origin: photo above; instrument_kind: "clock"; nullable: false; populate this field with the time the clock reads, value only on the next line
4:57
